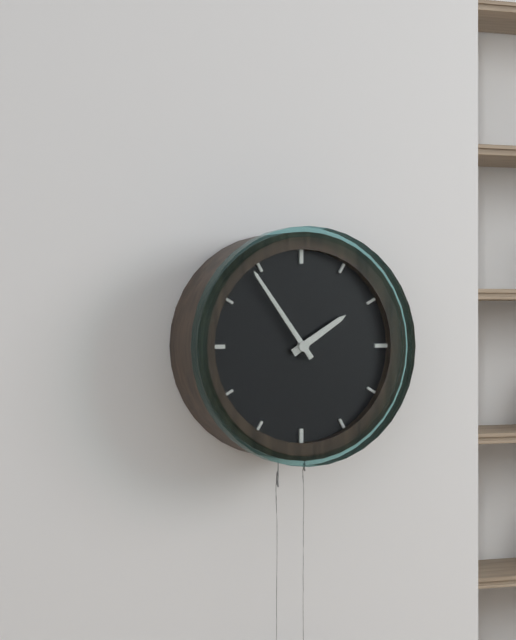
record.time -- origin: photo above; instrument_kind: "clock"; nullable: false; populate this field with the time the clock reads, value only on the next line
1:54
